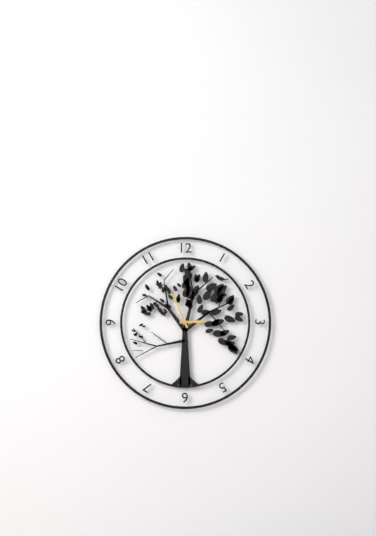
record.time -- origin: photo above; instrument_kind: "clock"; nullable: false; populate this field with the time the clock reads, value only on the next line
2:56
